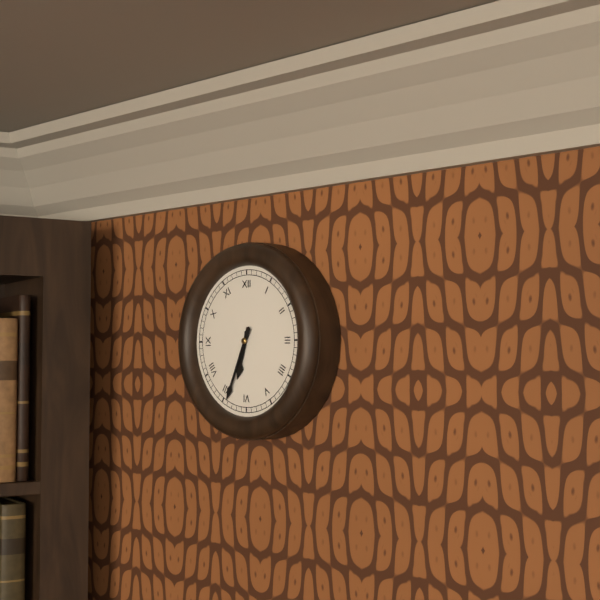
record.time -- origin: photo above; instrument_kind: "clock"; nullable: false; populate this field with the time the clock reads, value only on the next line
6:34
